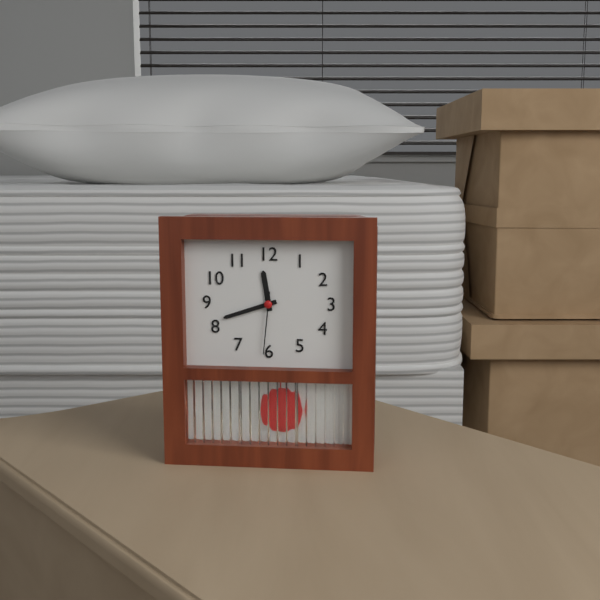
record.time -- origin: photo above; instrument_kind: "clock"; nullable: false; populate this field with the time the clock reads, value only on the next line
11:42:31
